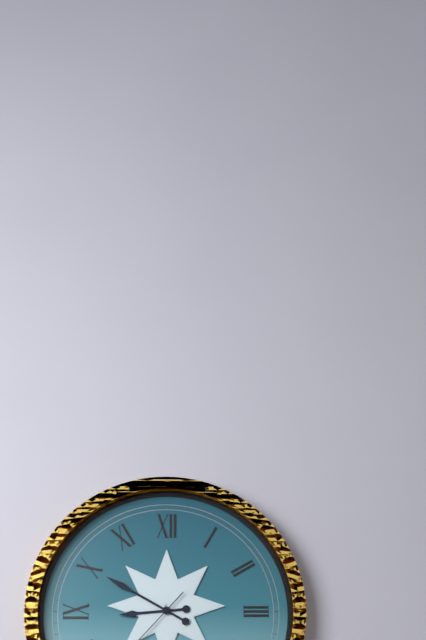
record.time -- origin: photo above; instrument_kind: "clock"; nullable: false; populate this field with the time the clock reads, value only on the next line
8:50
